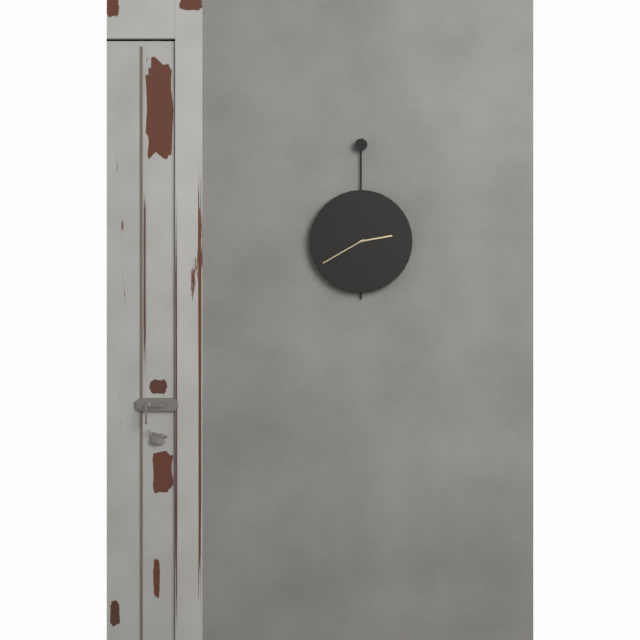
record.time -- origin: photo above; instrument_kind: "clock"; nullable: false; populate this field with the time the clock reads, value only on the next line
2:40
